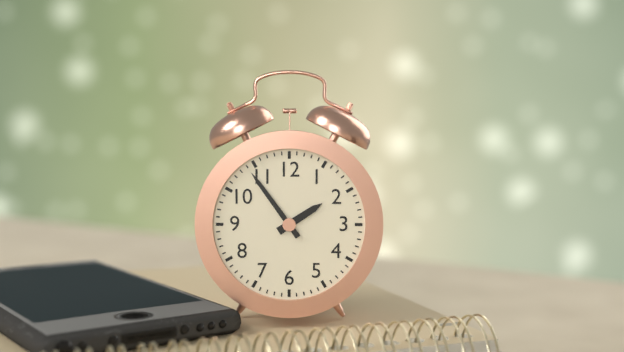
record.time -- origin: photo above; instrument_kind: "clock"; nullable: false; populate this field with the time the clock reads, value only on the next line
1:54
